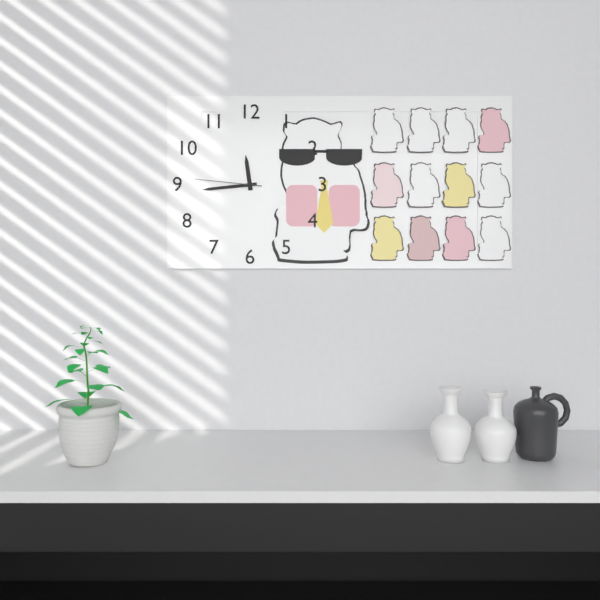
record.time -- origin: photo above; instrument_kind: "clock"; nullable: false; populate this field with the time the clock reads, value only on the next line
11:44:46
